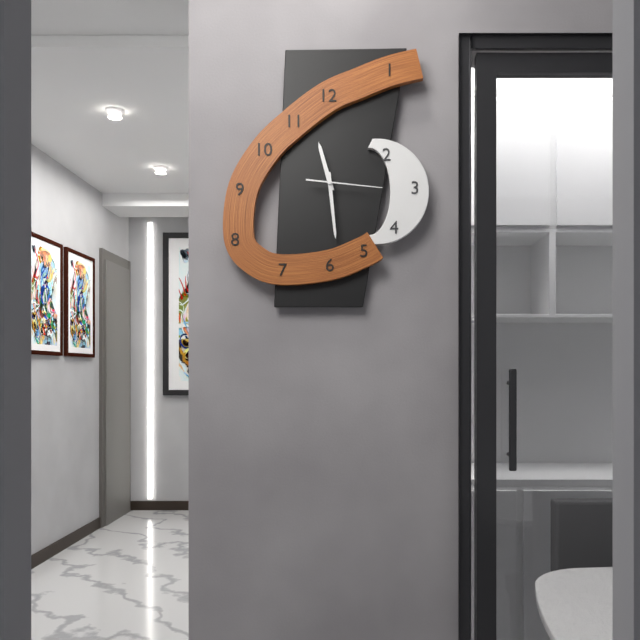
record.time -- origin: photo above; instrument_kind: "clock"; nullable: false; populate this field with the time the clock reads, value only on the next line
11:29:16
